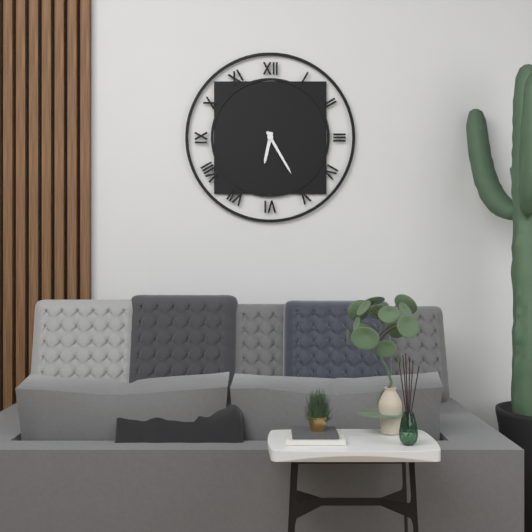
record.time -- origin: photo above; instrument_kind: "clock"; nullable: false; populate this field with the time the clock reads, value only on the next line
6:25
